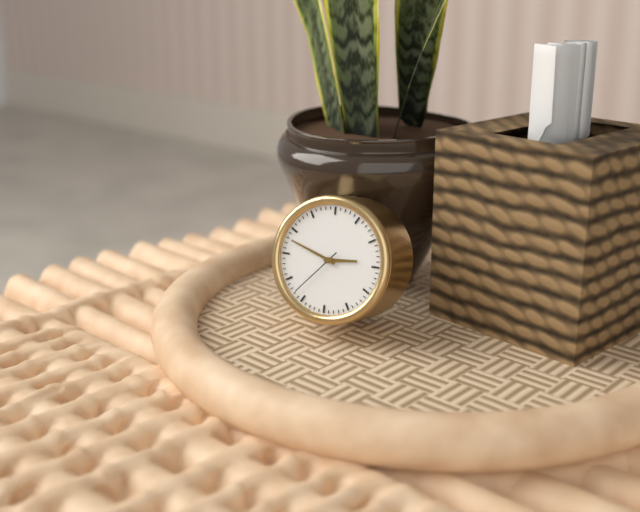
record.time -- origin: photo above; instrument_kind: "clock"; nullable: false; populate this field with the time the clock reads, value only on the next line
2:48:37
